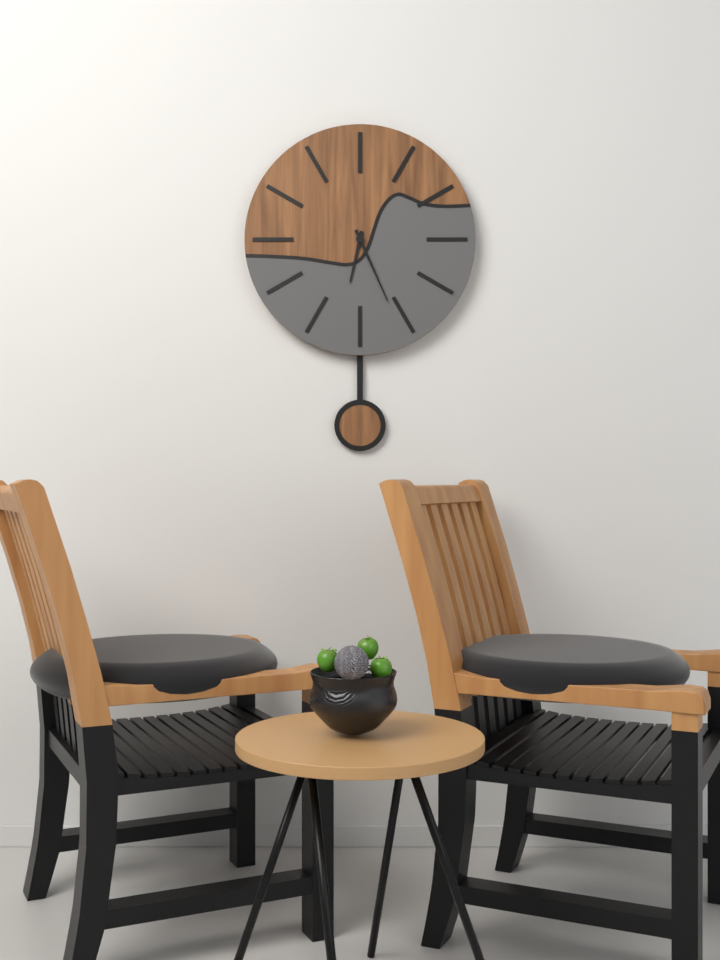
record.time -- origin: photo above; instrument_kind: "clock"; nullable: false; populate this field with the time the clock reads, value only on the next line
6:26
